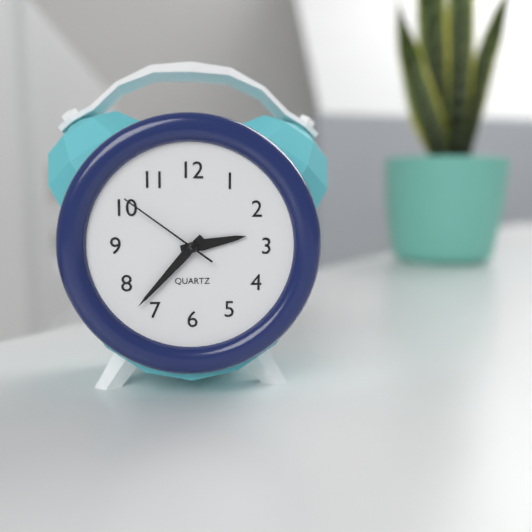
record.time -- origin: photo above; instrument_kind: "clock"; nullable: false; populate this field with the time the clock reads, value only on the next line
2:37:51
